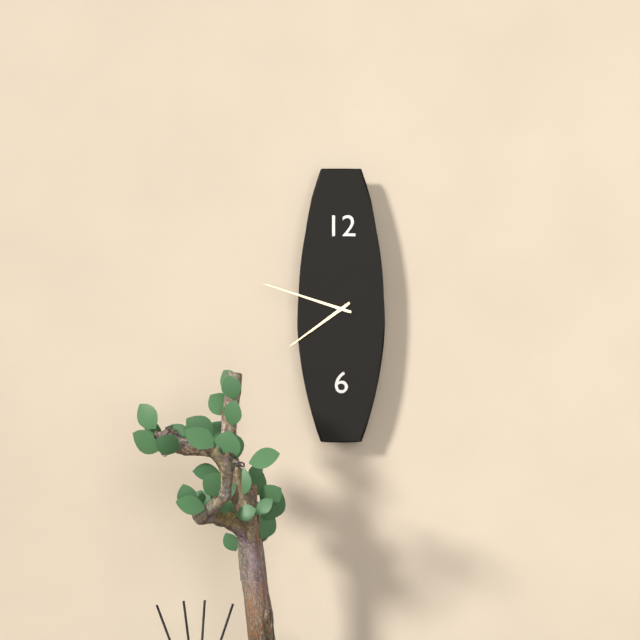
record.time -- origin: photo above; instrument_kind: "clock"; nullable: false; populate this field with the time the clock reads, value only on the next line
7:48
